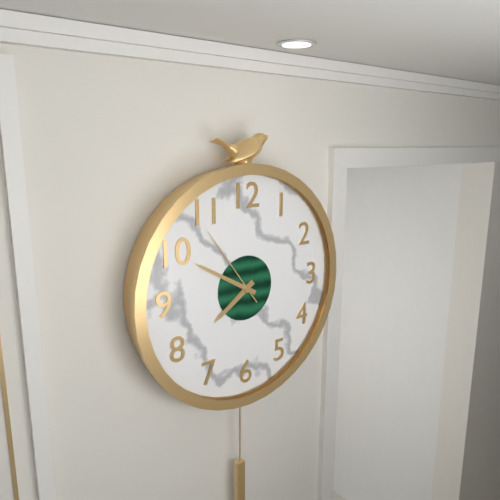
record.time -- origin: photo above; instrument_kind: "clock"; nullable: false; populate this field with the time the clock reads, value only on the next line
7:50:54
